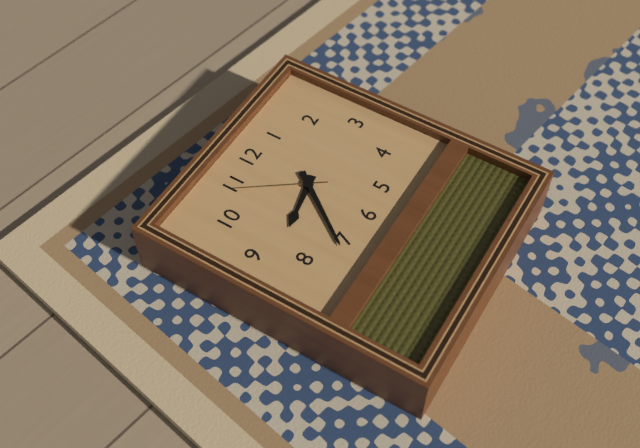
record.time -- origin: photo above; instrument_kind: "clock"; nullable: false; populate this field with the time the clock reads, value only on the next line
8:36:54
